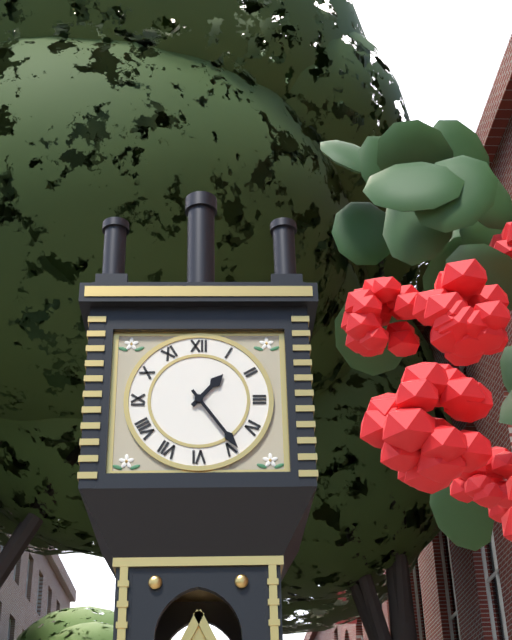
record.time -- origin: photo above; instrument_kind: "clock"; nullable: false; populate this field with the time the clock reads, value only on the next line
1:24
